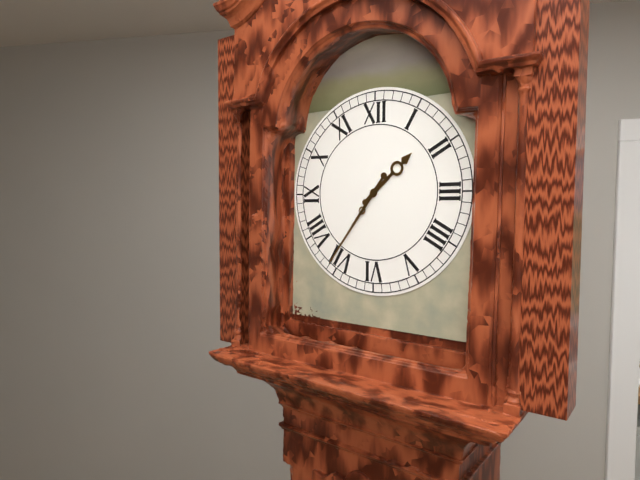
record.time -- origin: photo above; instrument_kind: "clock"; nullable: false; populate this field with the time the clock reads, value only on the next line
1:36
